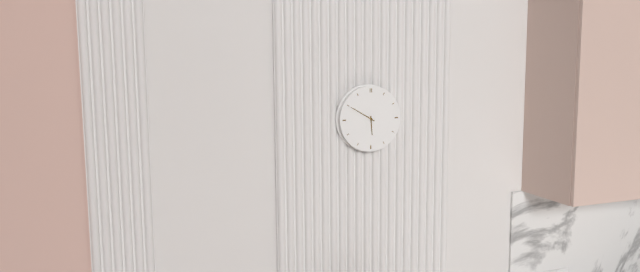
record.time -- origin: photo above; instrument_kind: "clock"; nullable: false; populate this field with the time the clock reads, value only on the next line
5:50
